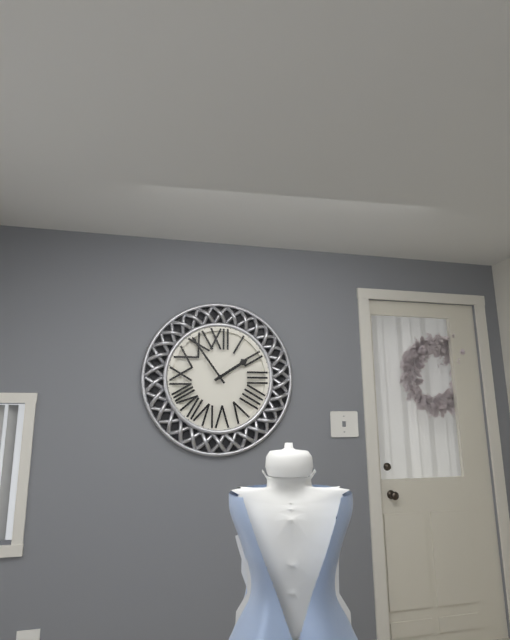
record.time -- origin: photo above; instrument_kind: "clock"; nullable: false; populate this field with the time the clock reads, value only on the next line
1:54
